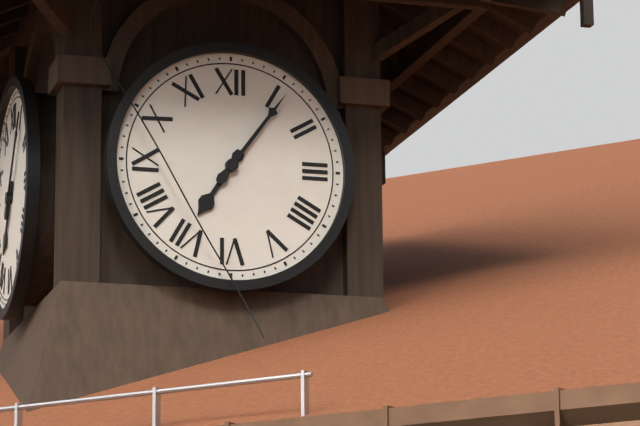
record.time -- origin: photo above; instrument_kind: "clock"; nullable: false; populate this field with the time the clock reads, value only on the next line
7:06
